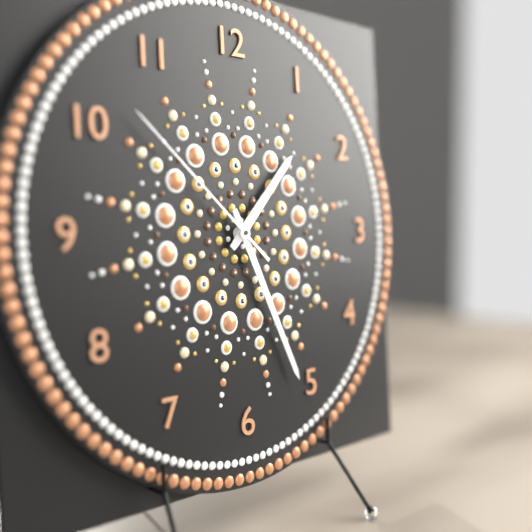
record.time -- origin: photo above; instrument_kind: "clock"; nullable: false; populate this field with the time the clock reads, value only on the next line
1:26:52
